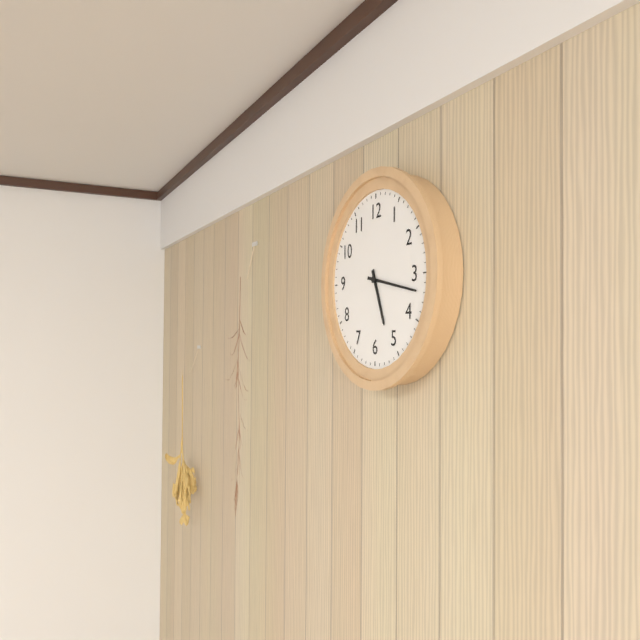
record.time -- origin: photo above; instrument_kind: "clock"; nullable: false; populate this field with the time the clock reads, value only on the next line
5:17
